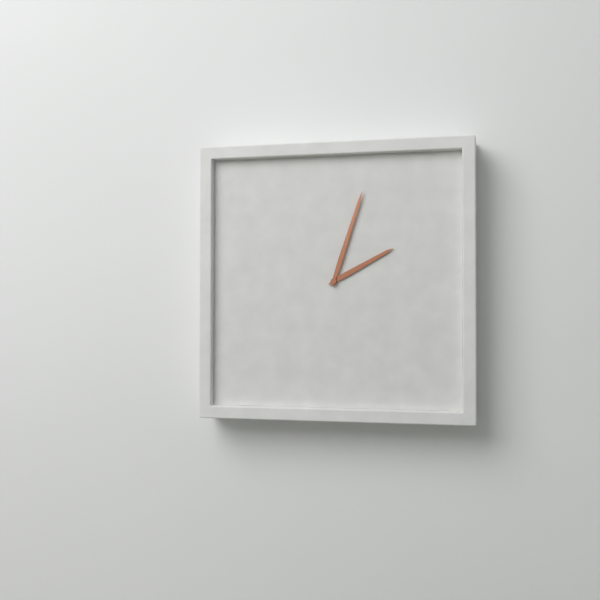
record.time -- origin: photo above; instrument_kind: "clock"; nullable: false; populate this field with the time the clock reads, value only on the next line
2:03
